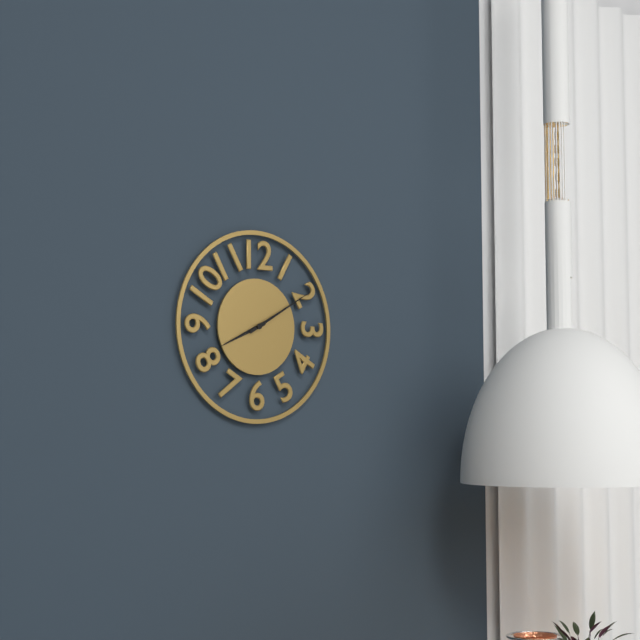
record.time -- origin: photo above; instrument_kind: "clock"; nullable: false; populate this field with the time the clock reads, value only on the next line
8:10
